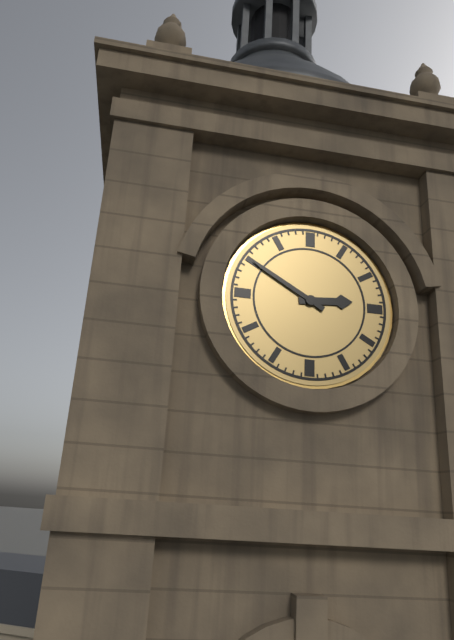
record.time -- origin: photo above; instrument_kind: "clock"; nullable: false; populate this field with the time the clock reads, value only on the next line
2:50
